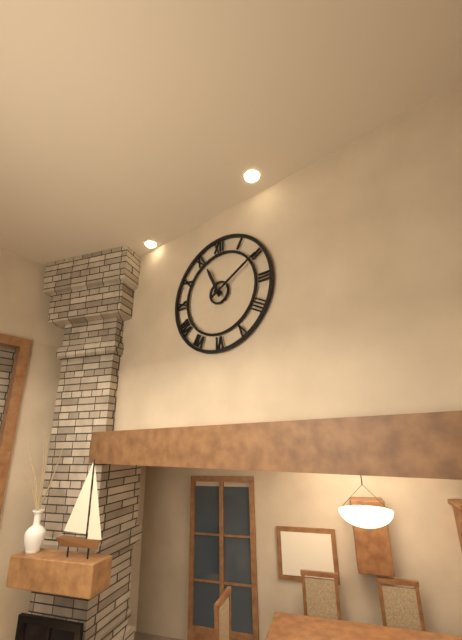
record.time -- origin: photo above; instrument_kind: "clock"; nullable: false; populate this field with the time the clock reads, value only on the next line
11:10
